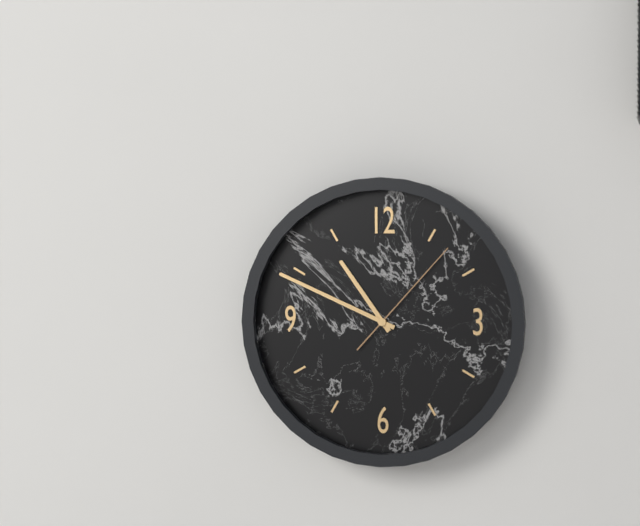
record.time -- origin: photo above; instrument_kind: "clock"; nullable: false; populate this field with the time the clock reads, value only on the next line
10:49:07
